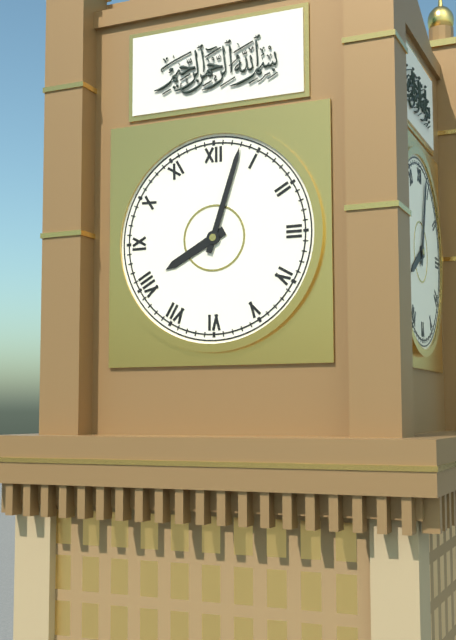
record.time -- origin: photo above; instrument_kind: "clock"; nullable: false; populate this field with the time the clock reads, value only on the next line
8:03
